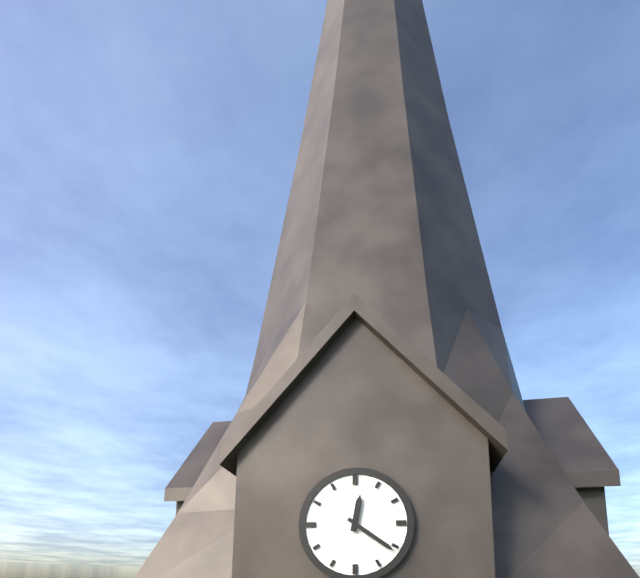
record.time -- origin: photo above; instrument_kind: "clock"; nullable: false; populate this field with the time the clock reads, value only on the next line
12:21
